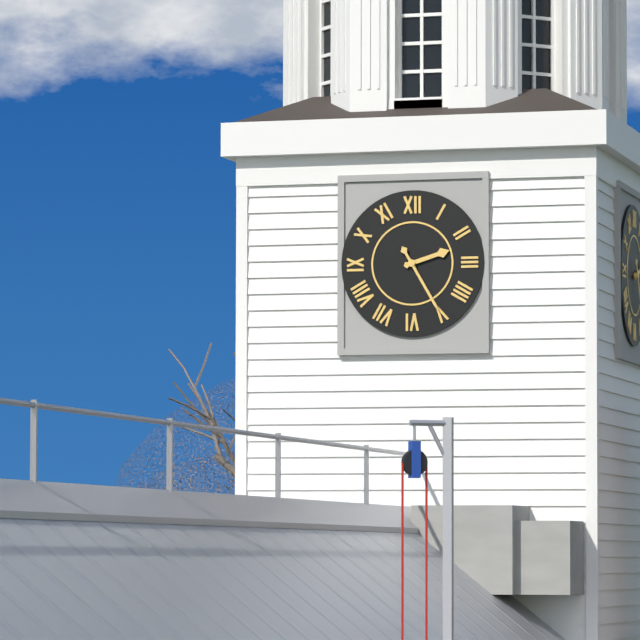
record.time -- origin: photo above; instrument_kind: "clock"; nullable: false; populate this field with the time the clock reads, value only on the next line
2:25
